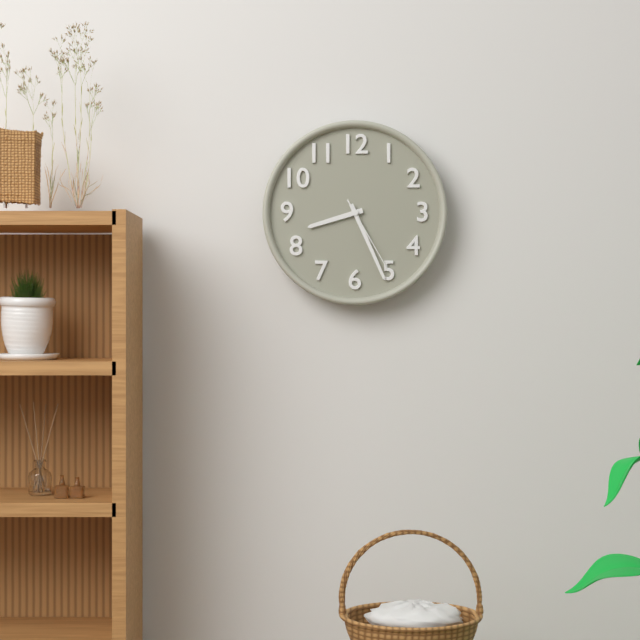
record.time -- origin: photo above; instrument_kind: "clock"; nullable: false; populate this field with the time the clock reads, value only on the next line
8:26:25
